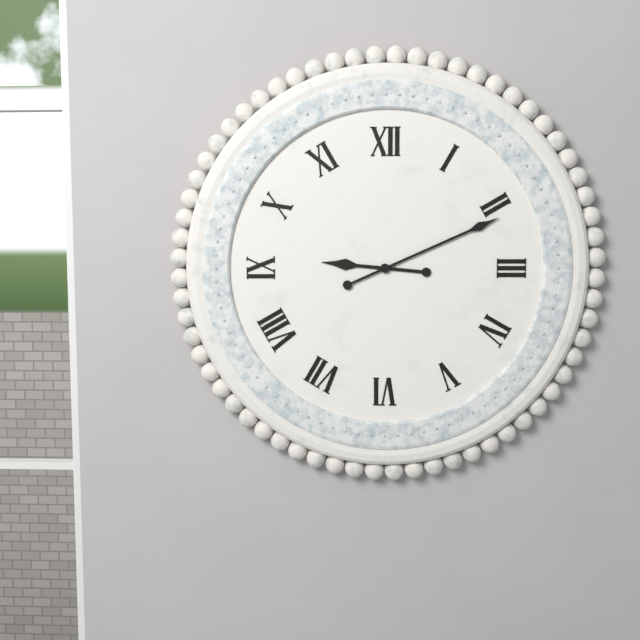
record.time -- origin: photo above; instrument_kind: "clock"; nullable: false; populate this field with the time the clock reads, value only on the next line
9:11
